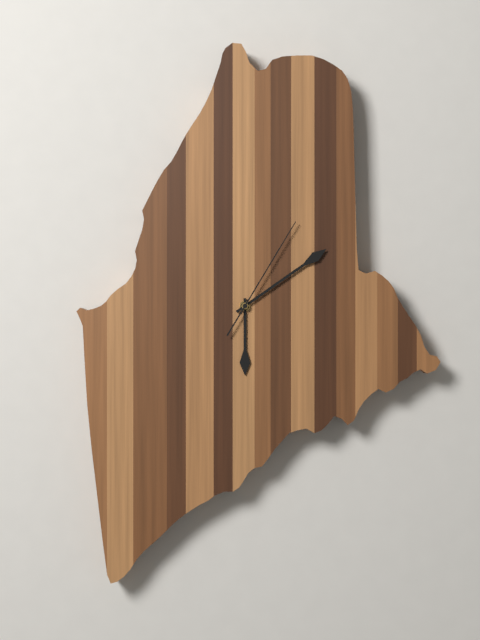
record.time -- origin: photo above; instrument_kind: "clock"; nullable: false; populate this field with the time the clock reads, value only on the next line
6:10:06
